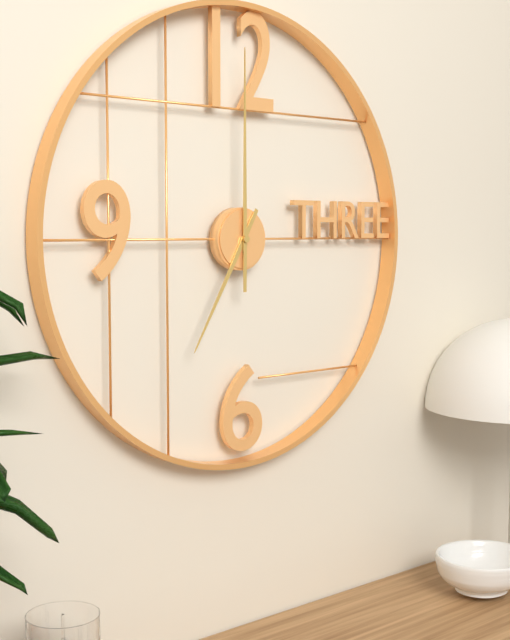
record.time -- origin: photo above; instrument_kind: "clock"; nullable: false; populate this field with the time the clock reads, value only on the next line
7:00
